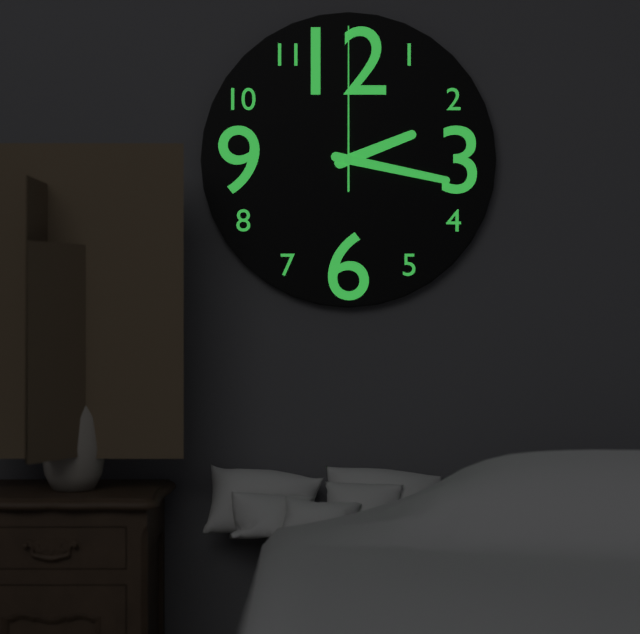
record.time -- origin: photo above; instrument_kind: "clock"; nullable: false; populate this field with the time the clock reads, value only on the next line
2:17:00
